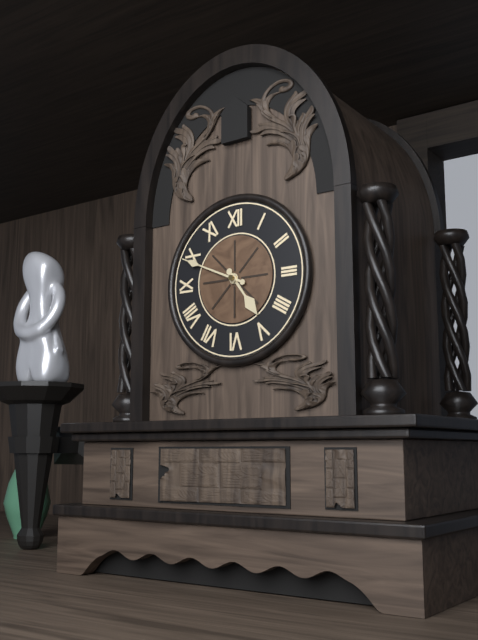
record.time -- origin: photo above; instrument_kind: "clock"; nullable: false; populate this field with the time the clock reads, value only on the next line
4:49
